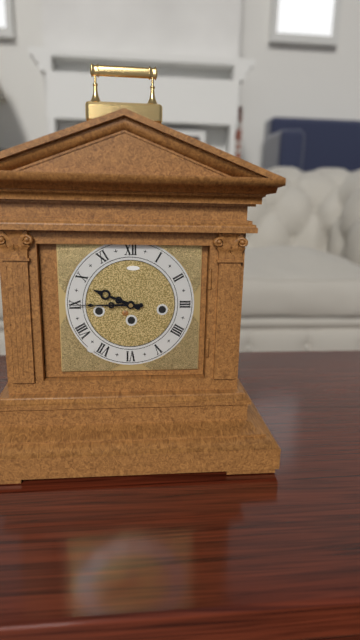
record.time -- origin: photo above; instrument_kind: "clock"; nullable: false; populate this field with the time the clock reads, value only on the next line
9:45
